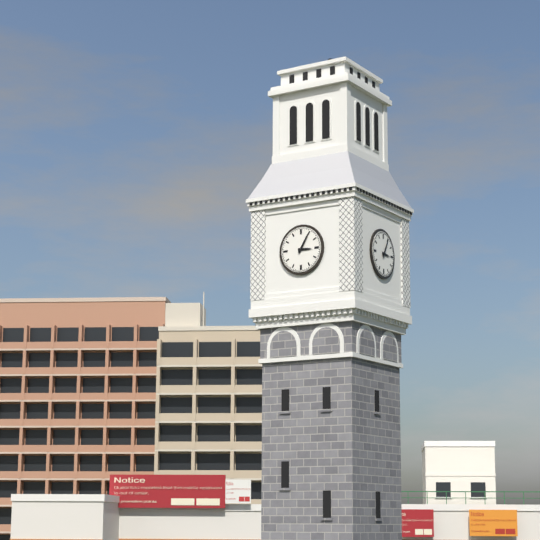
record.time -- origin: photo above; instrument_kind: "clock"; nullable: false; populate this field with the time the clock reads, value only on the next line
3:05
